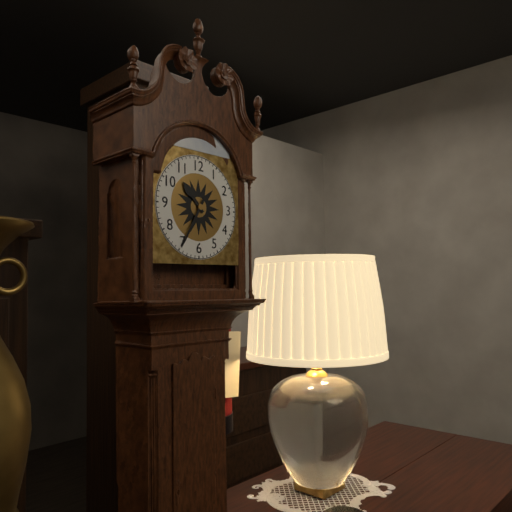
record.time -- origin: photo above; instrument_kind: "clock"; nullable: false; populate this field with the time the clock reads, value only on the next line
10:35
